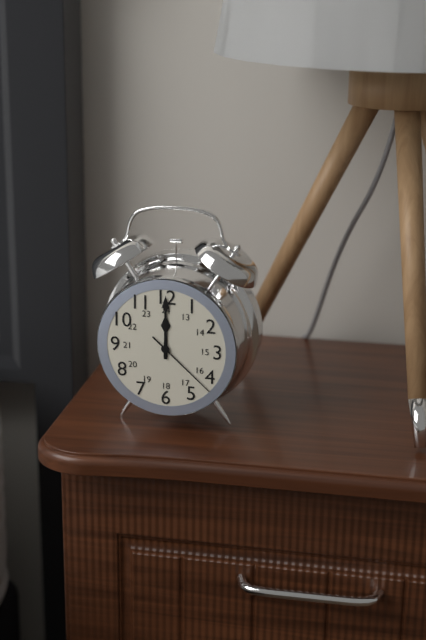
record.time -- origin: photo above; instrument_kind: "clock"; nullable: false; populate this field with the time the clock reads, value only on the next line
12:00:22
